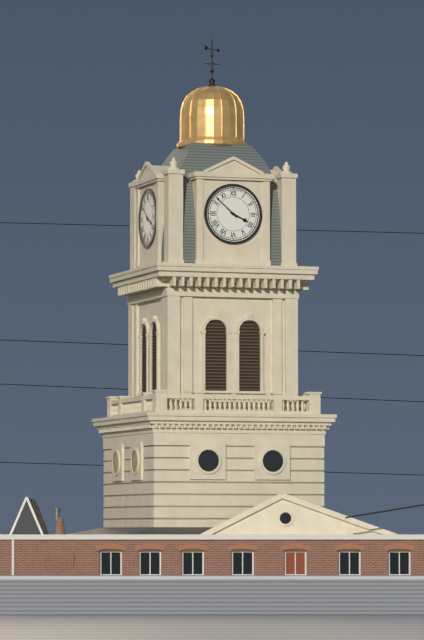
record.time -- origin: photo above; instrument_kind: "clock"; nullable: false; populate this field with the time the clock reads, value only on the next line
3:52
